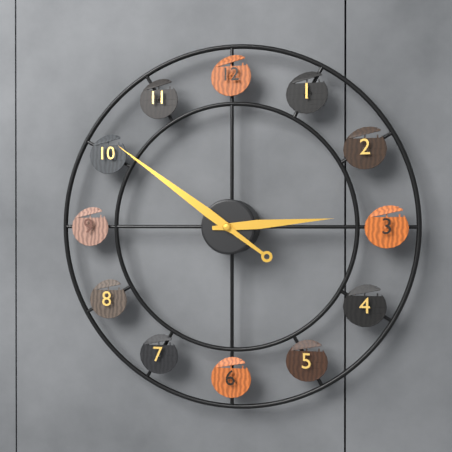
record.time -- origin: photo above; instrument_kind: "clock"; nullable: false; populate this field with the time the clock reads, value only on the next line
2:51
